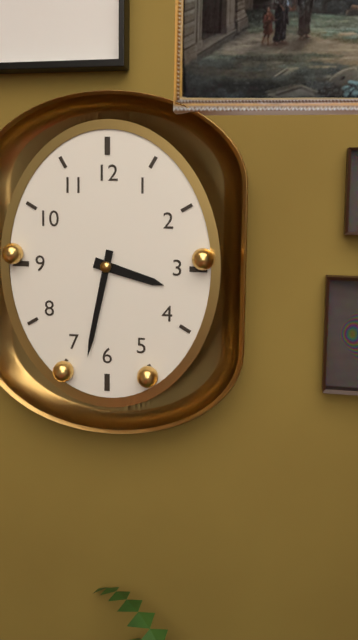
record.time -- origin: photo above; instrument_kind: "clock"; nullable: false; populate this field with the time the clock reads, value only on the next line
3:32
